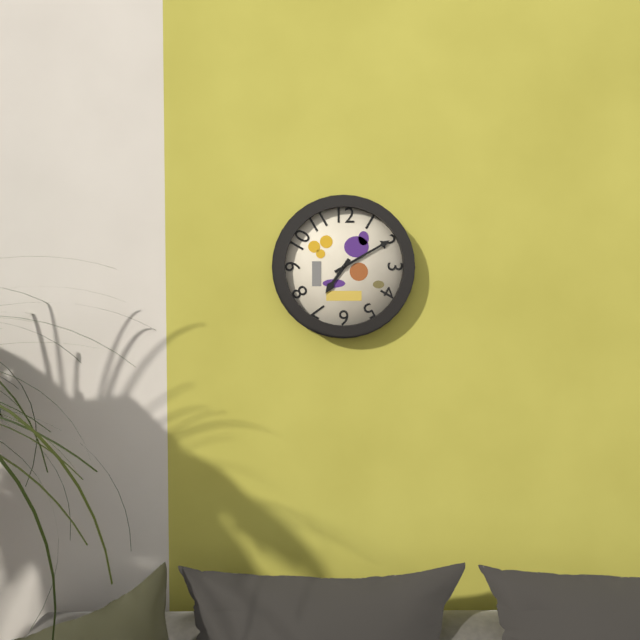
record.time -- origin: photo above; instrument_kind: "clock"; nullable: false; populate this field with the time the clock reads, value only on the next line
7:10
